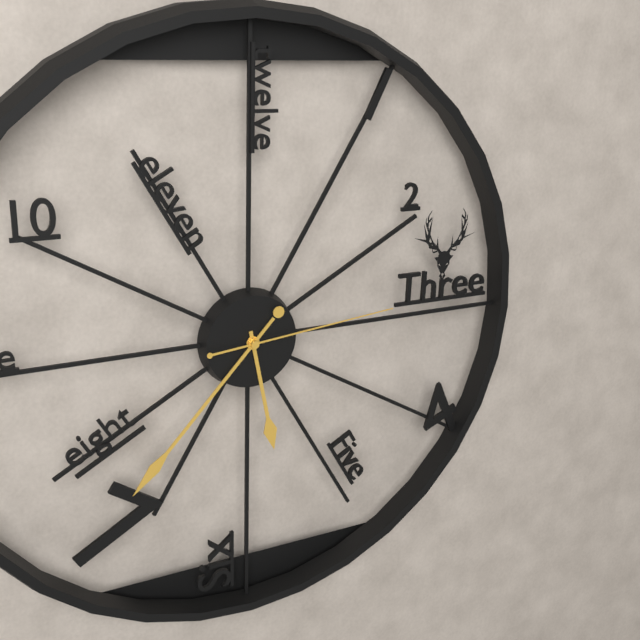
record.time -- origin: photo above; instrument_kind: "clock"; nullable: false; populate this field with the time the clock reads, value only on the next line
5:37:14
